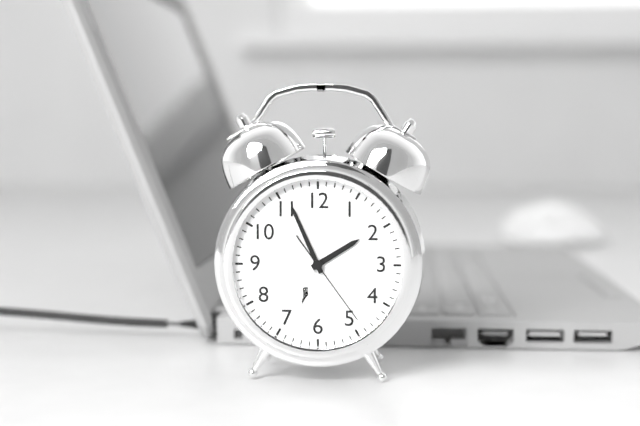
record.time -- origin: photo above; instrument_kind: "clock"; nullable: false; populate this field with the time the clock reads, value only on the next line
1:56:24
